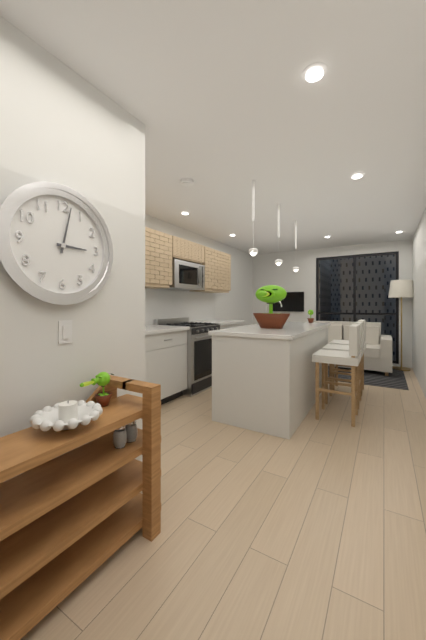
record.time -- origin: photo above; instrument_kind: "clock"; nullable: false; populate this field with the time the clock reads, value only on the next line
3:02
